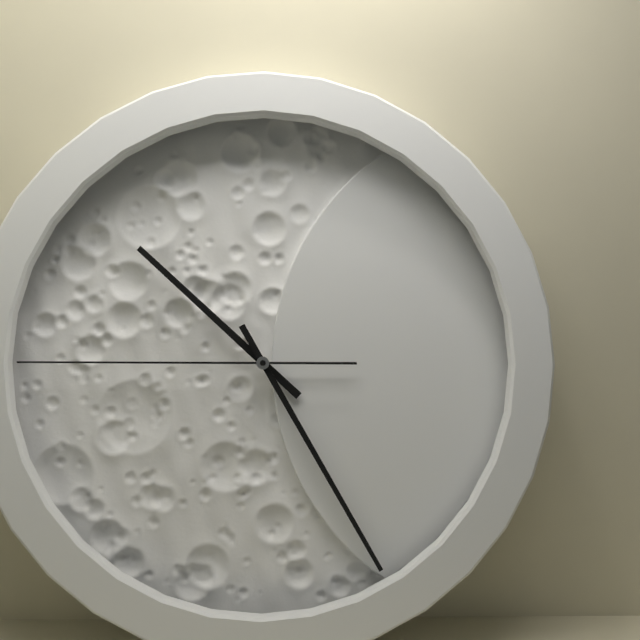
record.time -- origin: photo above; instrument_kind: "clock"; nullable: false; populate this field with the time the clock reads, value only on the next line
10:25:45
